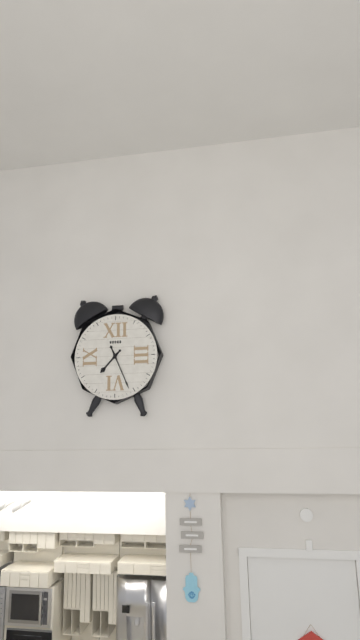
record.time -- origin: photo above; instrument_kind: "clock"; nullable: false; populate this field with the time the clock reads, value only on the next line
7:26
